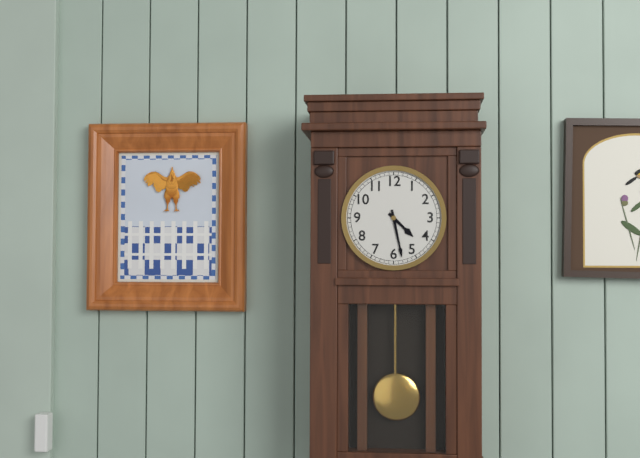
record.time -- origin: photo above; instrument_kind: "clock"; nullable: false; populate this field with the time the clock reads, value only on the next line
4:28
